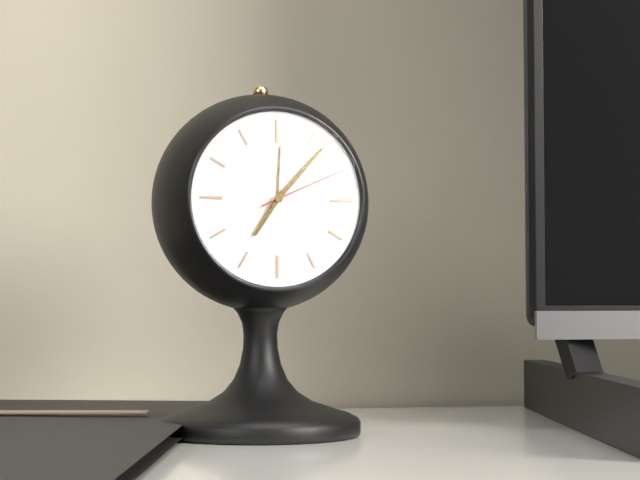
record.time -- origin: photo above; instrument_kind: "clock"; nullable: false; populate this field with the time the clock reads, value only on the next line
7:07:11
